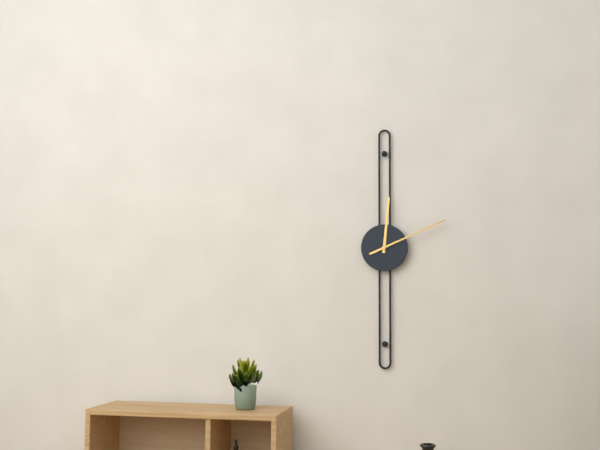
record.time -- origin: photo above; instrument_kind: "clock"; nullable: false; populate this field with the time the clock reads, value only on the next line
12:11
